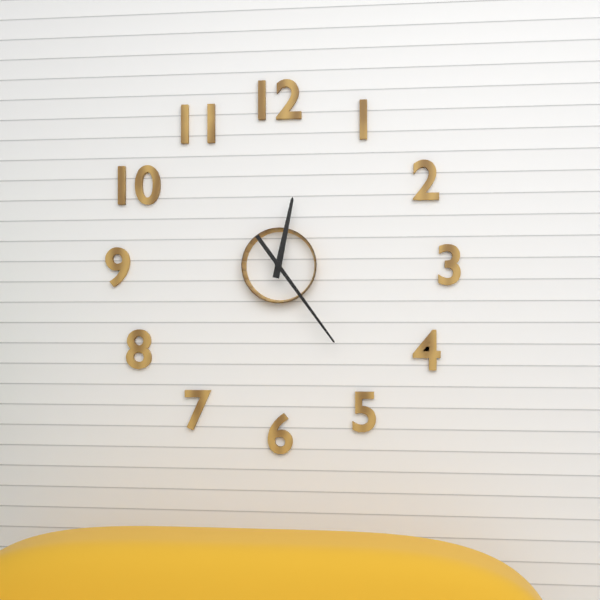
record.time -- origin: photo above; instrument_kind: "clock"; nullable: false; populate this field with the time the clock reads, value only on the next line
12:24
